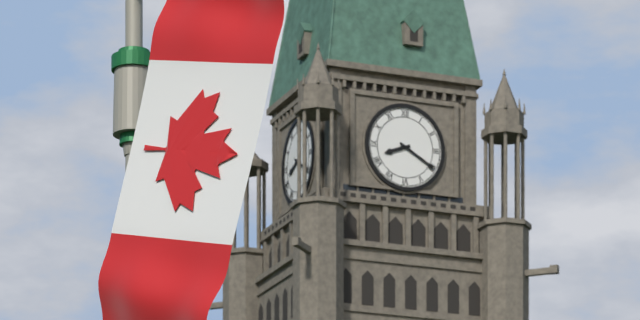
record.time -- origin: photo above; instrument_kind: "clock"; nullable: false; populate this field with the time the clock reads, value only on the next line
8:20
